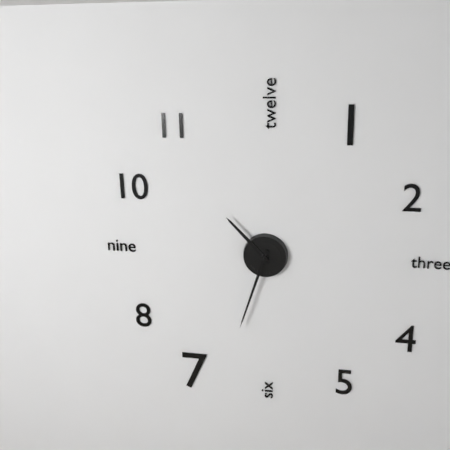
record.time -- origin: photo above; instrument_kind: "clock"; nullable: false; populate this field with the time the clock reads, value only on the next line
10:33
